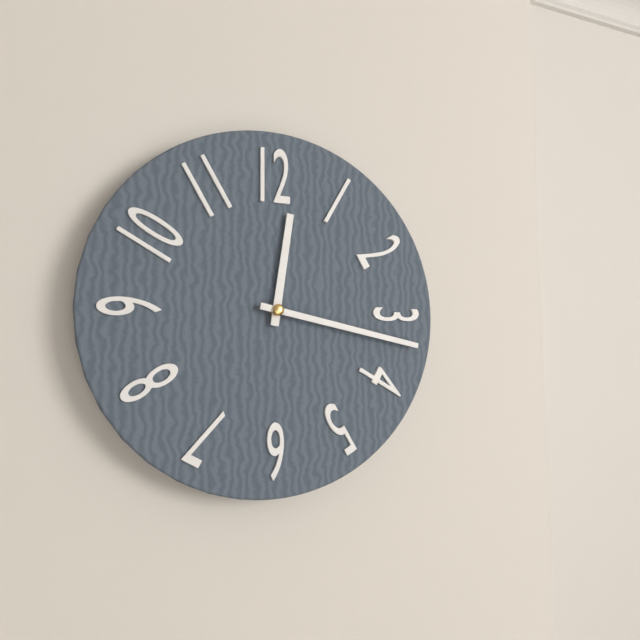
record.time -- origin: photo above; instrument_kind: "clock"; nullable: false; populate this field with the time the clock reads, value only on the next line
12:17
